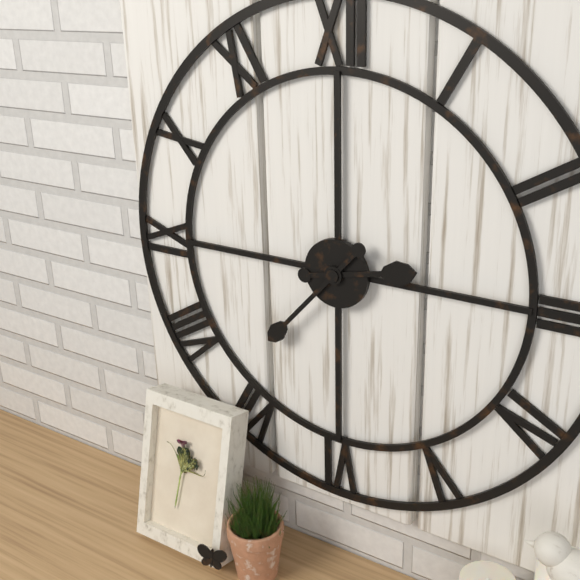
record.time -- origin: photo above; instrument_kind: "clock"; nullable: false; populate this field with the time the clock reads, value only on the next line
2:37
